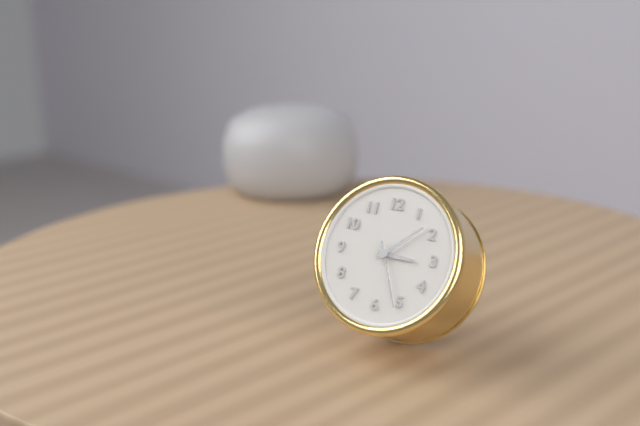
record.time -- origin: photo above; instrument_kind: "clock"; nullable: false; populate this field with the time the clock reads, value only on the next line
3:08:26
